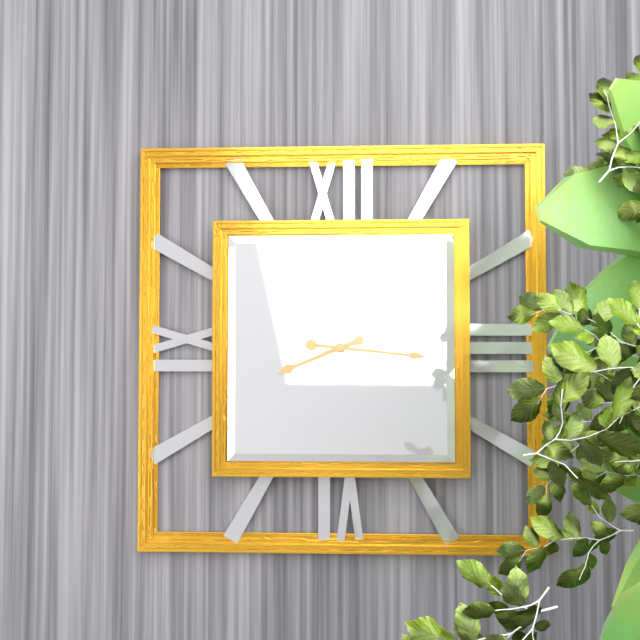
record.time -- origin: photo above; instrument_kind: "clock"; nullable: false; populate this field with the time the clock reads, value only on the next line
8:16:43
